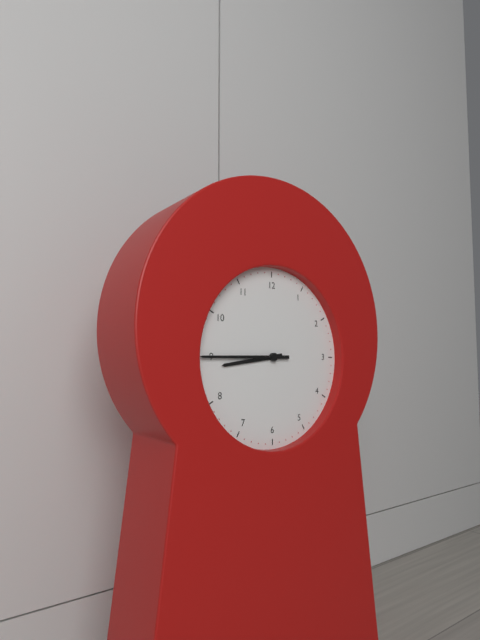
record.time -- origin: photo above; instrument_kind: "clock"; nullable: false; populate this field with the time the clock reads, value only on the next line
8:45
